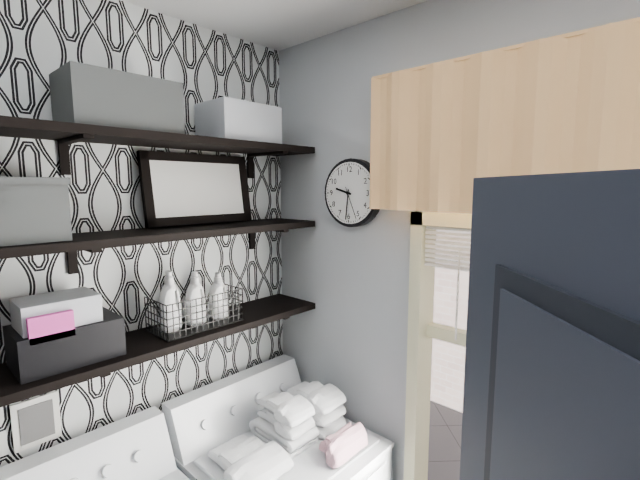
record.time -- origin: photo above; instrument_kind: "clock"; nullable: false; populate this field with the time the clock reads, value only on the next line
9:31
